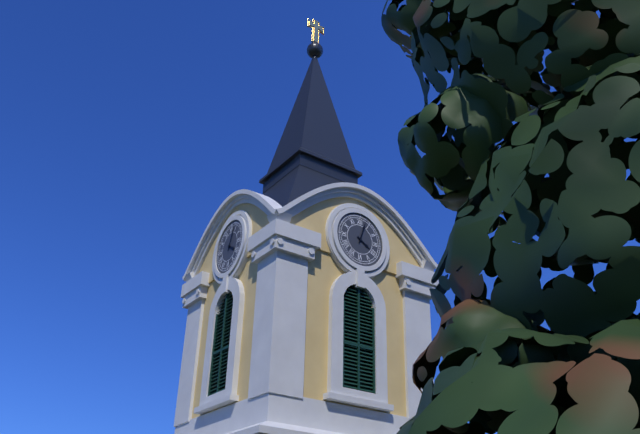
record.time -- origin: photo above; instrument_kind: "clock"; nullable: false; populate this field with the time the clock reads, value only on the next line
4:03
